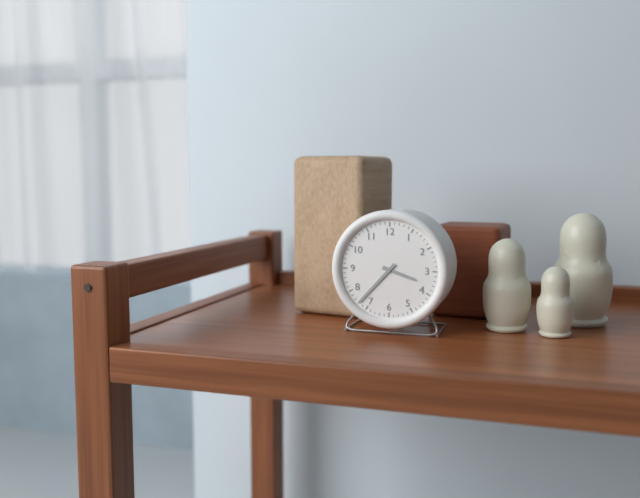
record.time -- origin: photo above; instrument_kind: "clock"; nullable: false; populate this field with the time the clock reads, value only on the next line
3:37
